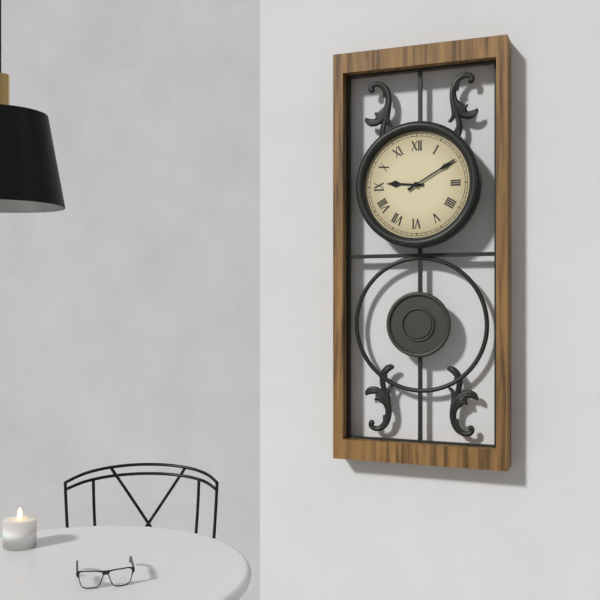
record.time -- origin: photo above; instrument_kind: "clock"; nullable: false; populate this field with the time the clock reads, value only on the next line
9:10
